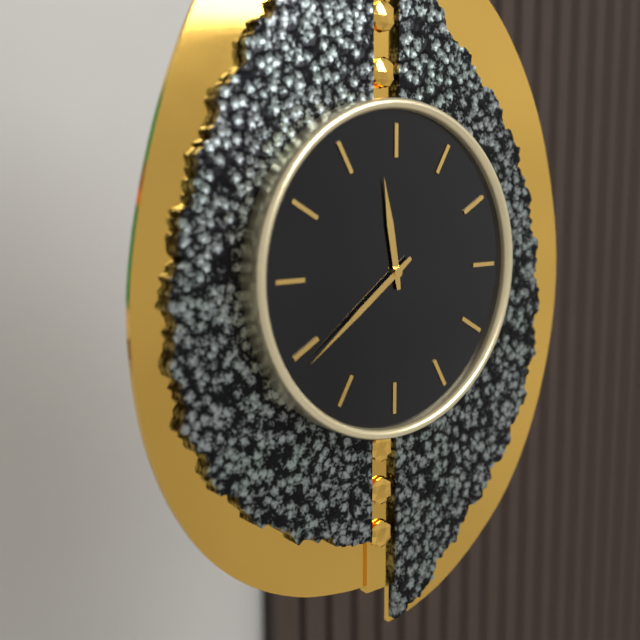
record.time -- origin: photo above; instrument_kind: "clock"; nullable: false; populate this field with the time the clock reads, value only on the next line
11:39
